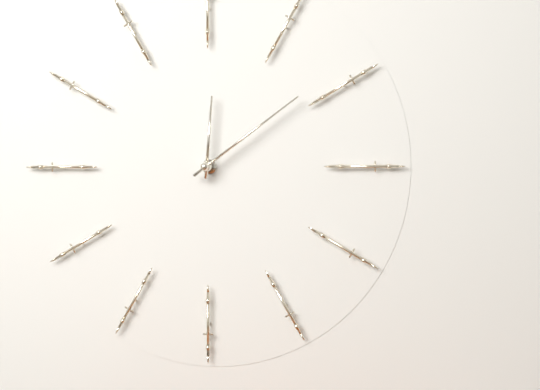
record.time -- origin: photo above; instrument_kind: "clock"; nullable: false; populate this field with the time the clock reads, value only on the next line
12:09
